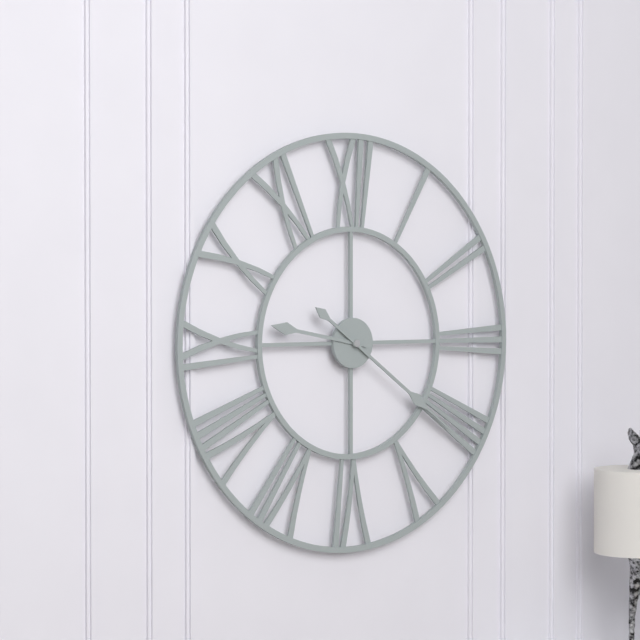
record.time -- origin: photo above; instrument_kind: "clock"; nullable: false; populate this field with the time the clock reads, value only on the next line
9:21
